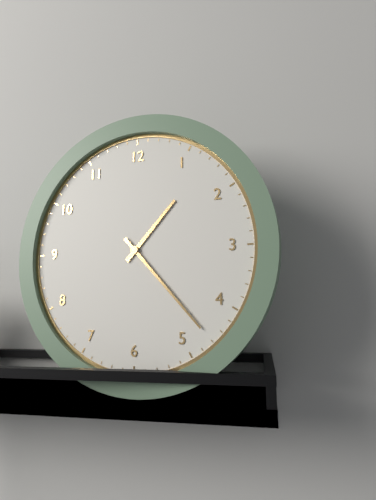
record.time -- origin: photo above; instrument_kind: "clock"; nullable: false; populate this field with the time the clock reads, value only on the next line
1:23
